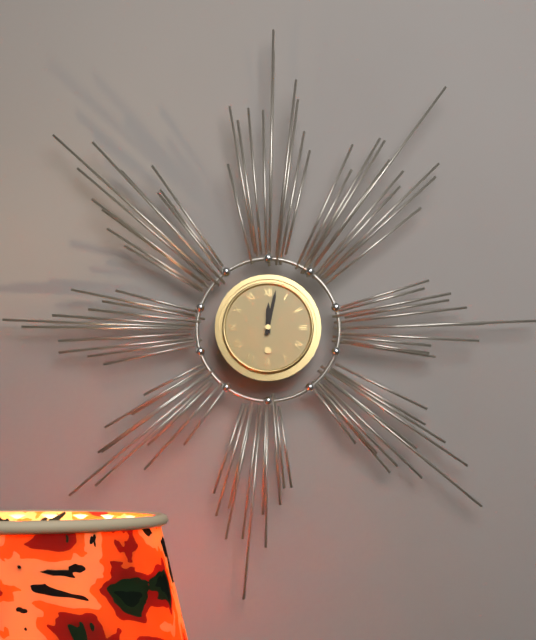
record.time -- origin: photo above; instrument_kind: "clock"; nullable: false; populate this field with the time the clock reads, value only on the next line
12:02
